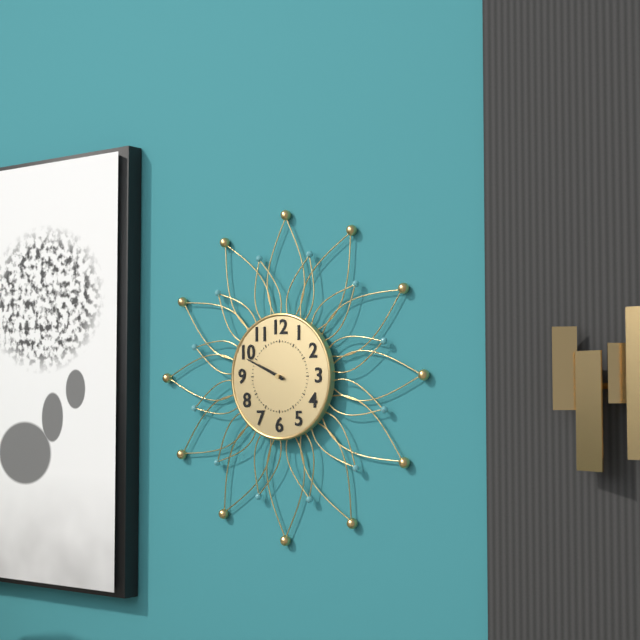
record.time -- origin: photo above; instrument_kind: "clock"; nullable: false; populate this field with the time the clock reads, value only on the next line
9:49
